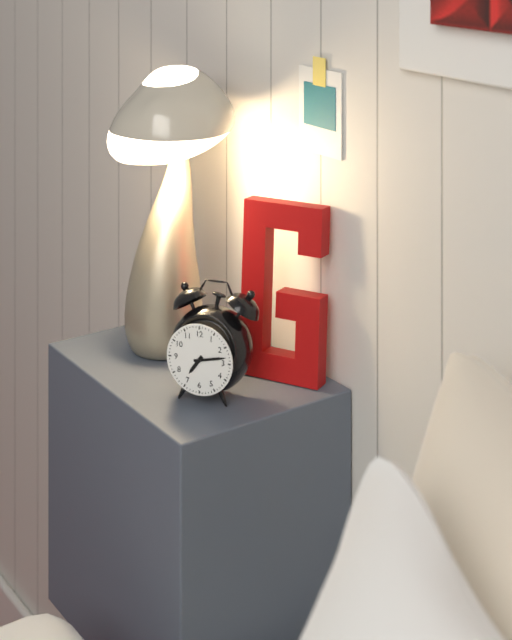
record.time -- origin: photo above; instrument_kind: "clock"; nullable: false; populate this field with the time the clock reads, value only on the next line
7:13
